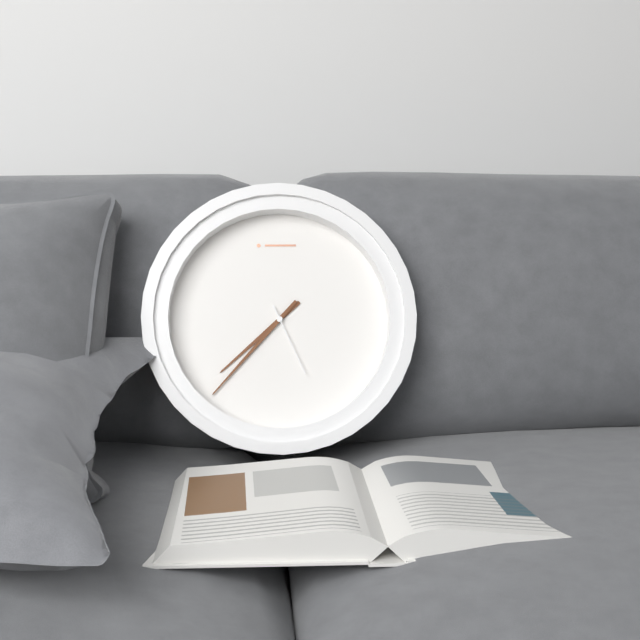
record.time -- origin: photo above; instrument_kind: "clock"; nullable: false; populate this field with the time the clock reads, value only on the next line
7:37:26
